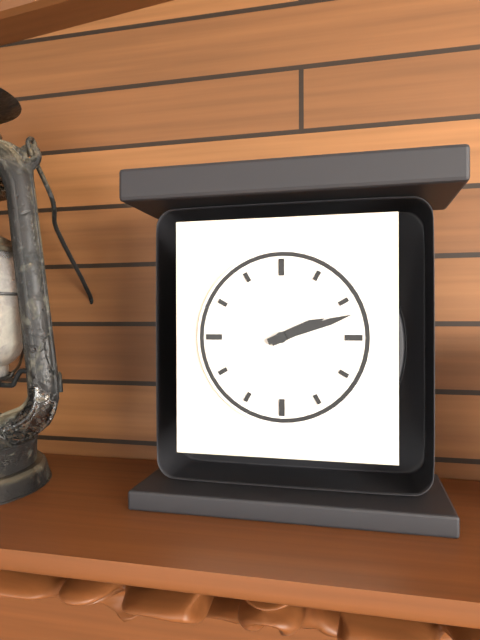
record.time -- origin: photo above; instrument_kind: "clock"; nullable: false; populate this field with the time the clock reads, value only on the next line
2:12
